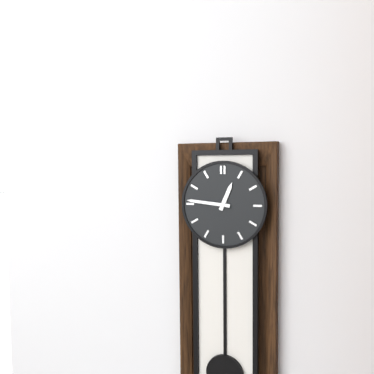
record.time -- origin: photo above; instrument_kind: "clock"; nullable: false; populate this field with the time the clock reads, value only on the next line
12:46
